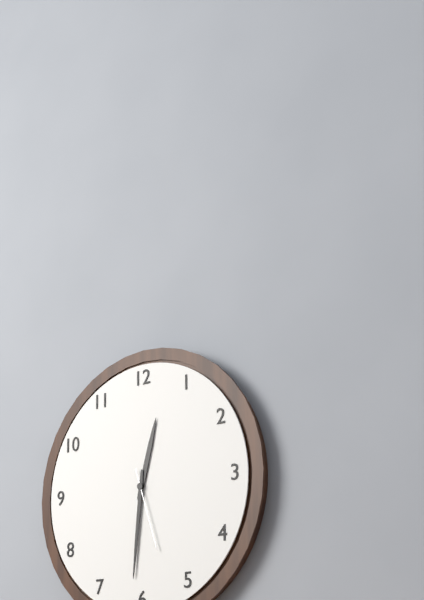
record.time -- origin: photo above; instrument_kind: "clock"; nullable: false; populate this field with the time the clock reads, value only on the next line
12:31:27
